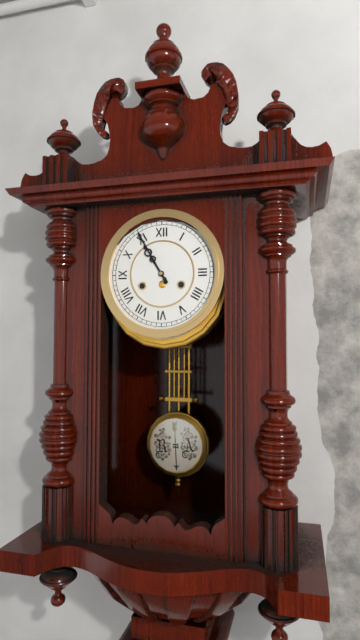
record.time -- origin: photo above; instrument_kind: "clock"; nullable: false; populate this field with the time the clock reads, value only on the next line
10:55
